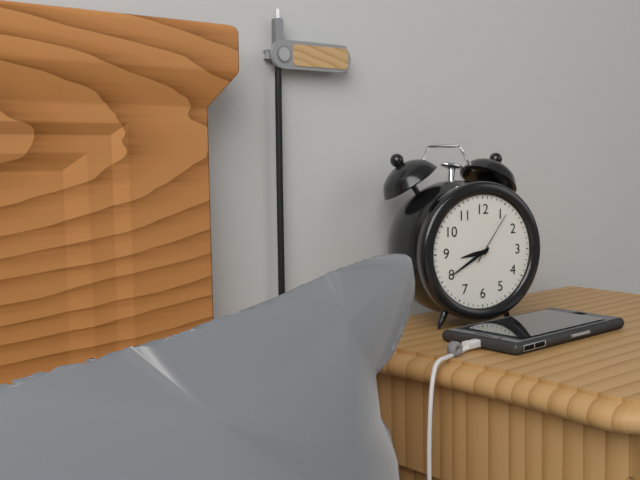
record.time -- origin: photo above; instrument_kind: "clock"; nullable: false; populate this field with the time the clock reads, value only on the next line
8:40:06
